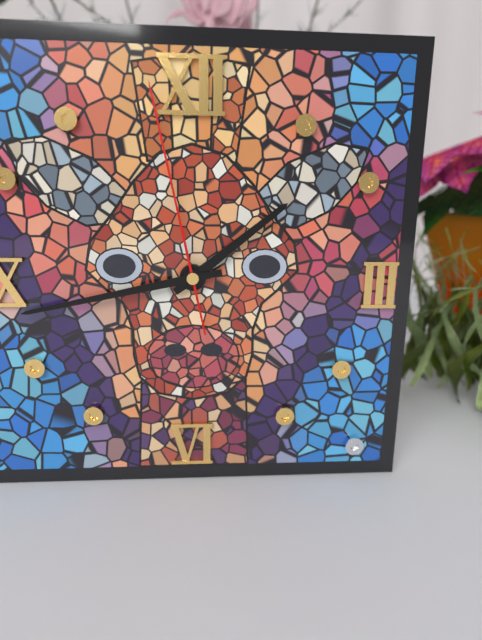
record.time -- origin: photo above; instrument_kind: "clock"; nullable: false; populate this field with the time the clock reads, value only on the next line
1:43:58
